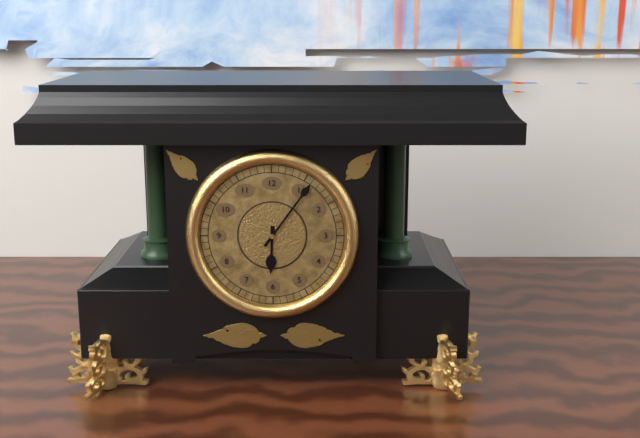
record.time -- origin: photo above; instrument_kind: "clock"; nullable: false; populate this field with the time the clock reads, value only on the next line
6:06
